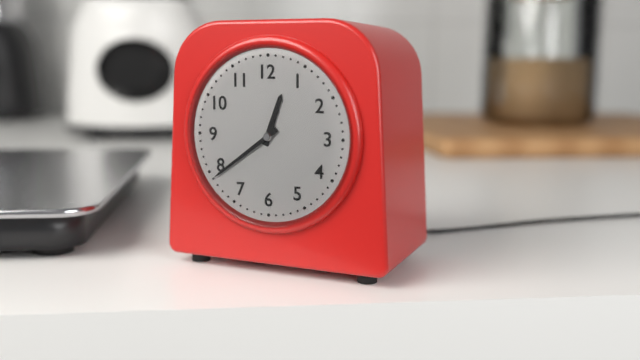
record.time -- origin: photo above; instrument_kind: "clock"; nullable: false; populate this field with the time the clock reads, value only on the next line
12:39
